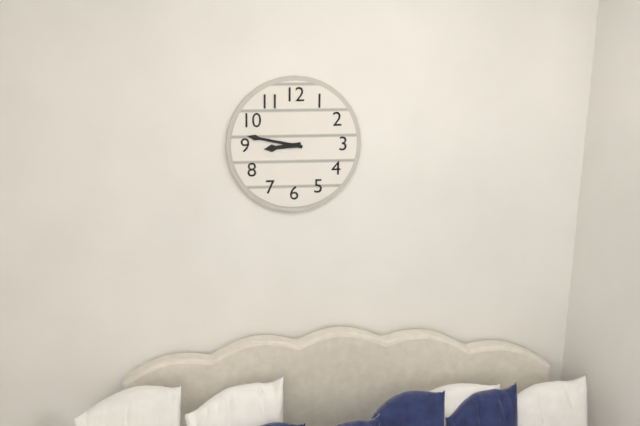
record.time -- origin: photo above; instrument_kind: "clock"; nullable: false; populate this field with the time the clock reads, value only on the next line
8:47
